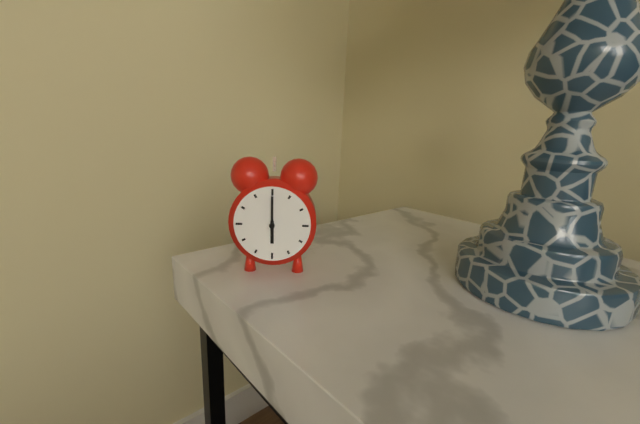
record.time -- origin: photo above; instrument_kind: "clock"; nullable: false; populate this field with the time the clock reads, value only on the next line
6:00
